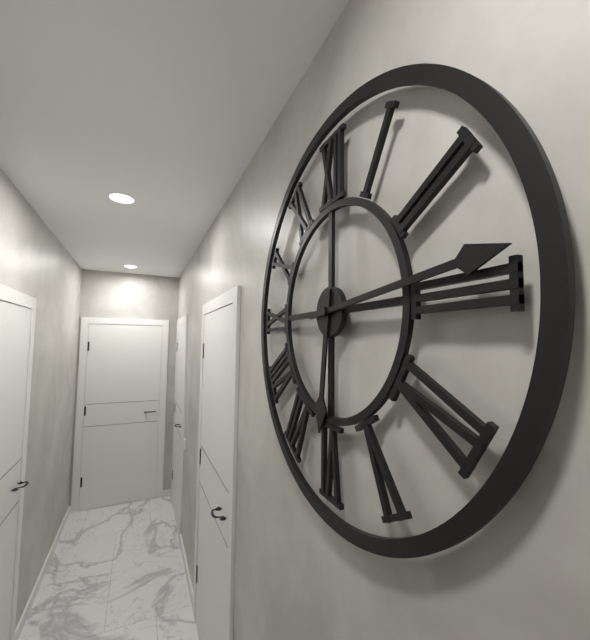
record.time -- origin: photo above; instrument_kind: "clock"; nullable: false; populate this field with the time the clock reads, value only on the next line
6:14
